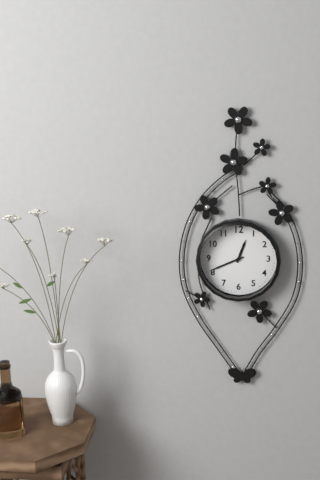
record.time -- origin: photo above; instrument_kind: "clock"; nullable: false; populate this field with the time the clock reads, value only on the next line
12:41
